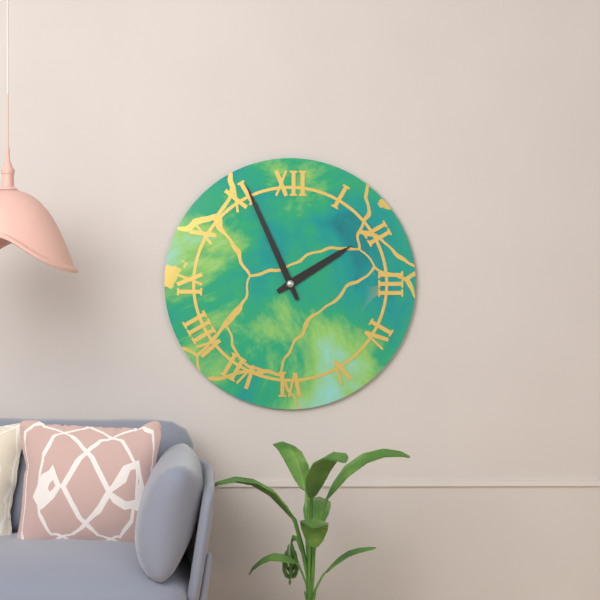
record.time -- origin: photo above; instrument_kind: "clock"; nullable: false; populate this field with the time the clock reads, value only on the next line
1:56
